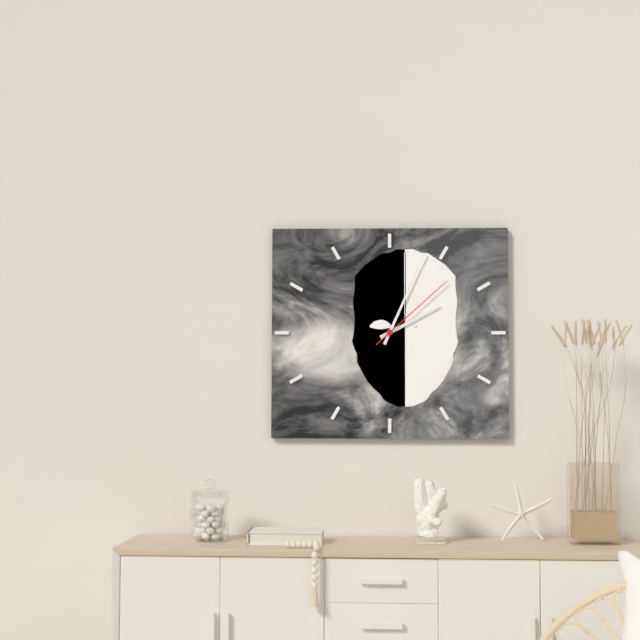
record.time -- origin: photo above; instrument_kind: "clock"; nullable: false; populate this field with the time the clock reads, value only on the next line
2:04:08
